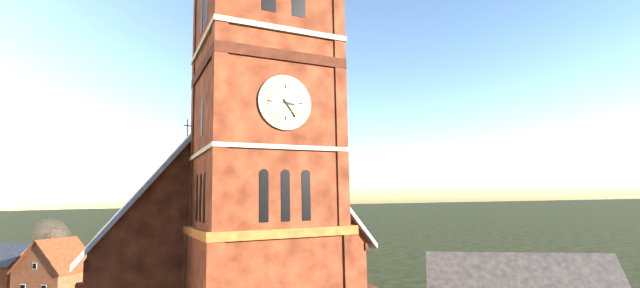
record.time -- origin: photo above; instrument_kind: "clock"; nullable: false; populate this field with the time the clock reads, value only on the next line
3:24
